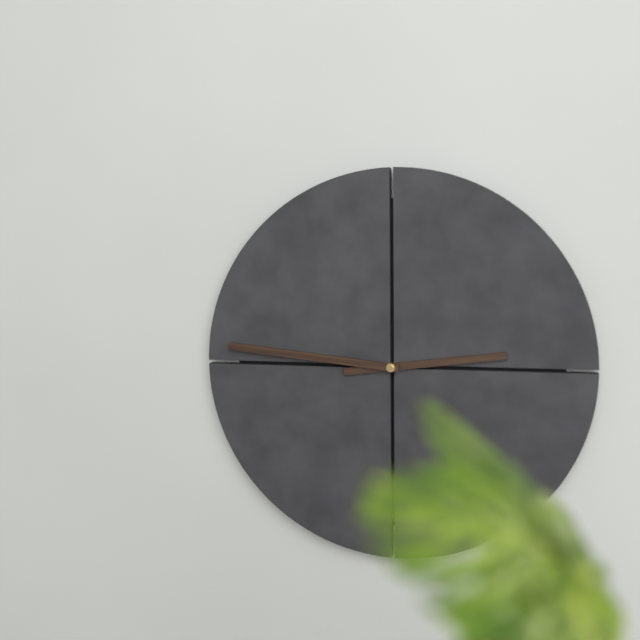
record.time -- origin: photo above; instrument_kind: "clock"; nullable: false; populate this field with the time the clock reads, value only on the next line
2:46
